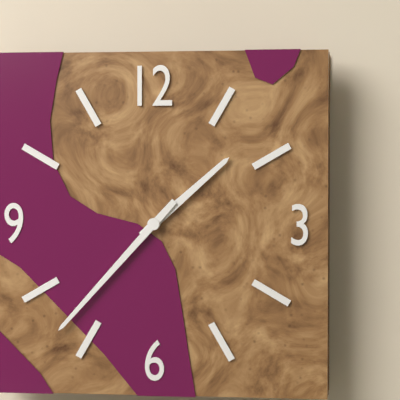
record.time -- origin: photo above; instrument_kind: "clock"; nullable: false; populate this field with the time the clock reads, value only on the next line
1:37
